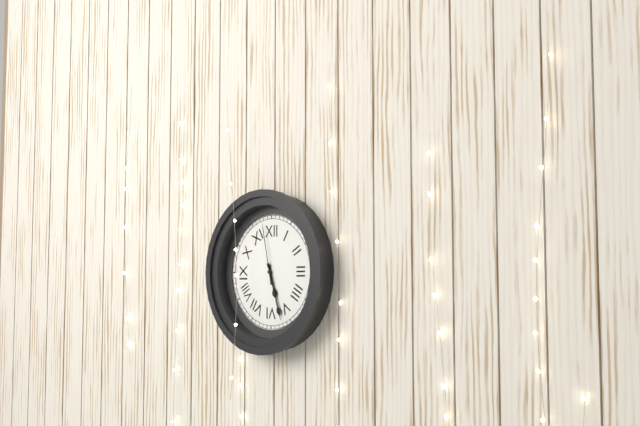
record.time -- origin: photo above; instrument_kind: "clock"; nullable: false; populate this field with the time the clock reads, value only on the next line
5:27:58
